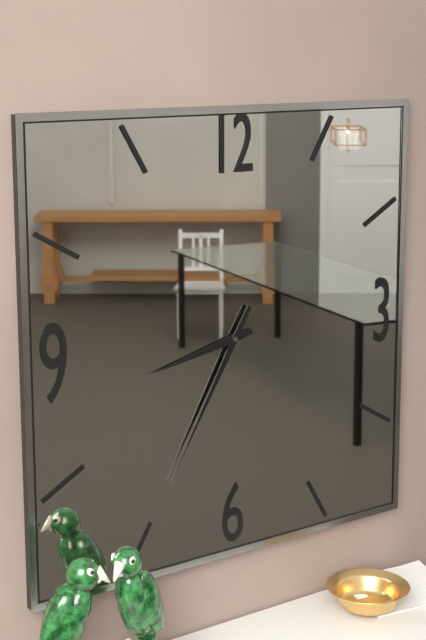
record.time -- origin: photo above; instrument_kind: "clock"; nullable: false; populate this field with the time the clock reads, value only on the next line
8:35
